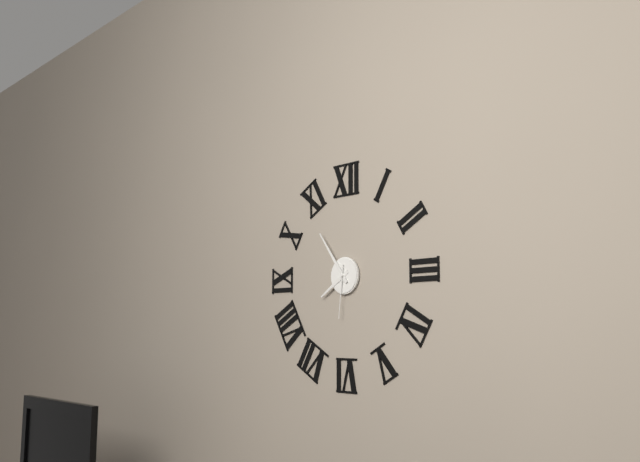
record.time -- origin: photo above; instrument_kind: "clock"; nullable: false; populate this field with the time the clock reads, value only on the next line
7:54:31
